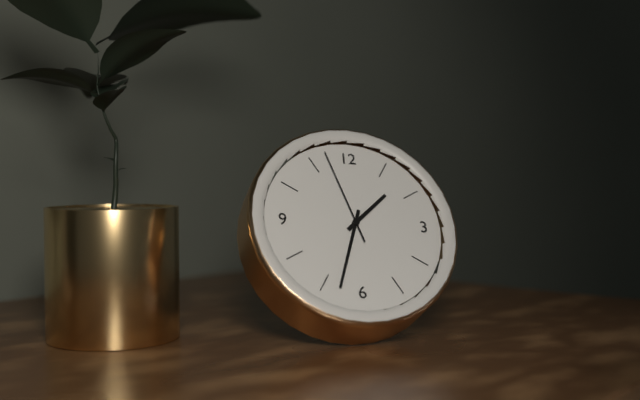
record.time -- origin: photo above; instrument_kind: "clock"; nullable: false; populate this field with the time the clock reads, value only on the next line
1:33:57
